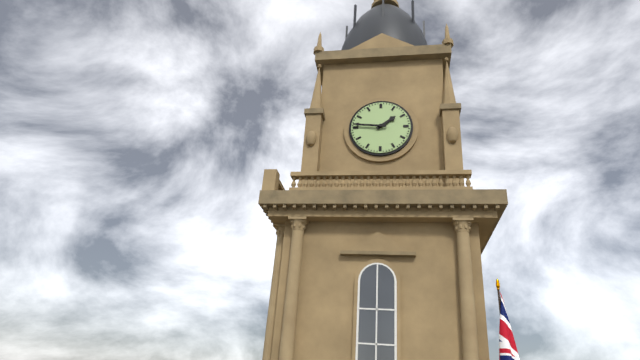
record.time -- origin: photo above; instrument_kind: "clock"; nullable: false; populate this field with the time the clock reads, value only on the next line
1:46
